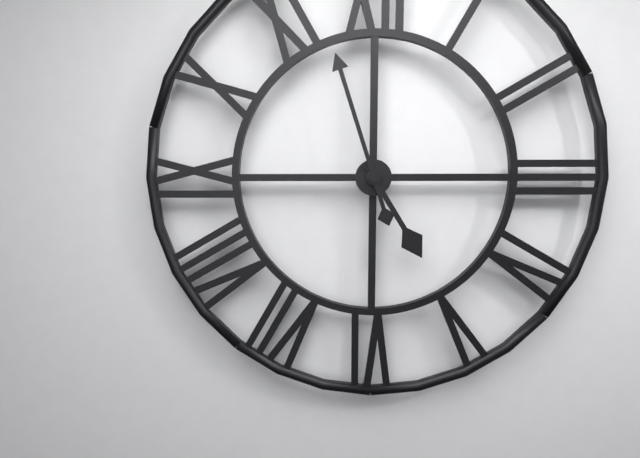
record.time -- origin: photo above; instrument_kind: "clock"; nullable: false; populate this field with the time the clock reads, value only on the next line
4:57
